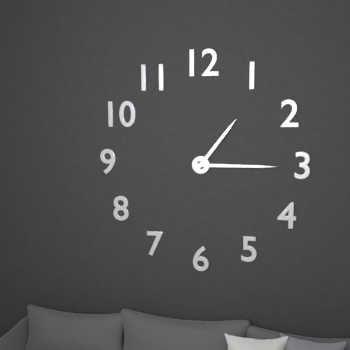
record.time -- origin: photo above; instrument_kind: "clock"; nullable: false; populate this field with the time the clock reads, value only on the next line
1:15
